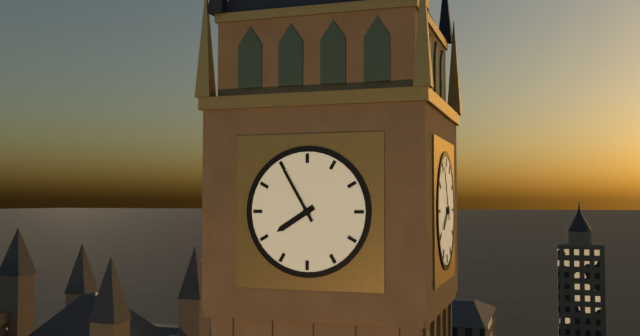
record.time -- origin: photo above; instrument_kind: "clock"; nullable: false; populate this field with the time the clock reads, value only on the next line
7:55
